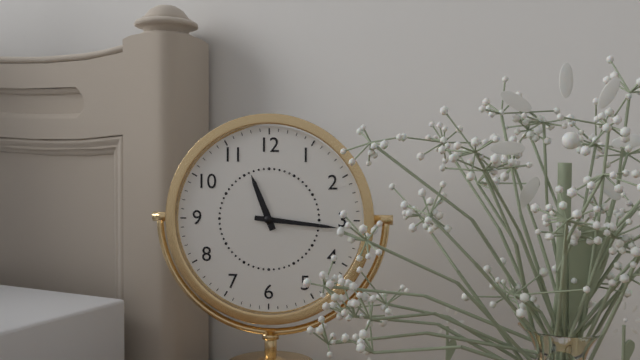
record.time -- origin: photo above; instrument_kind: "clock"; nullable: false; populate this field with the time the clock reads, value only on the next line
11:16
